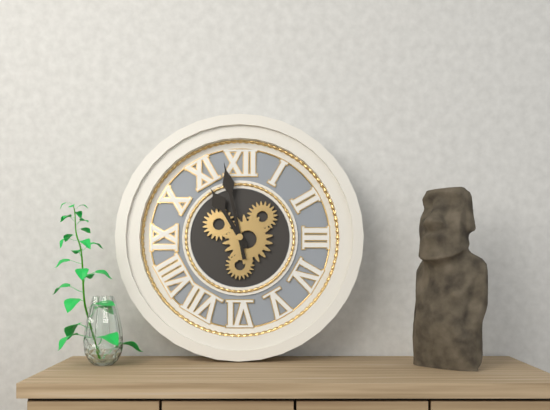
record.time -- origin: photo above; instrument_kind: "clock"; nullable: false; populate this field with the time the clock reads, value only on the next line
10:58
